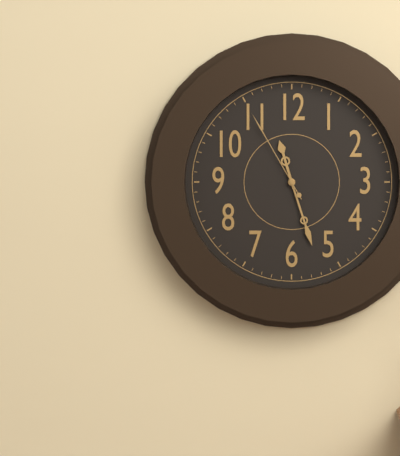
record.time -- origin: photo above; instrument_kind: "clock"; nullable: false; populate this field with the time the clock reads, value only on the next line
11:27:55
